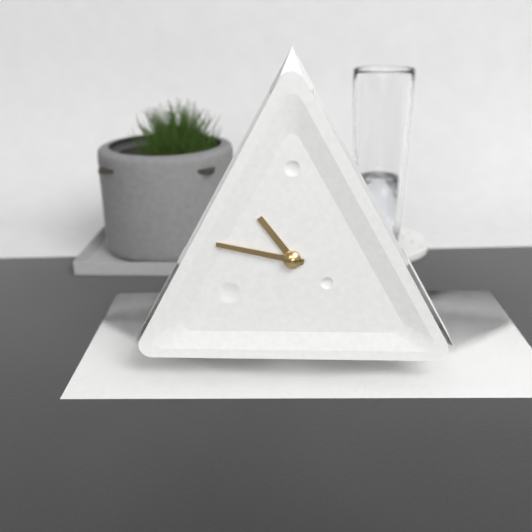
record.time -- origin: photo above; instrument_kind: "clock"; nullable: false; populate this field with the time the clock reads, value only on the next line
10:47
